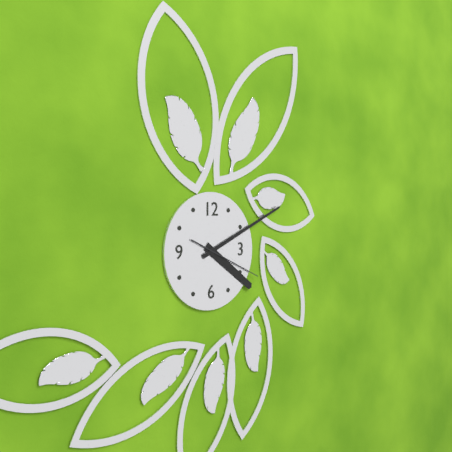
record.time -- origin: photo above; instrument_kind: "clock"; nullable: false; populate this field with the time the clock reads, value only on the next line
4:11:19
